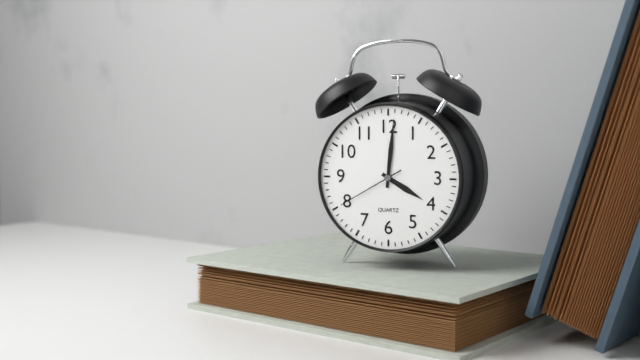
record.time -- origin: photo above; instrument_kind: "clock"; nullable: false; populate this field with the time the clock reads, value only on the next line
4:01:40
